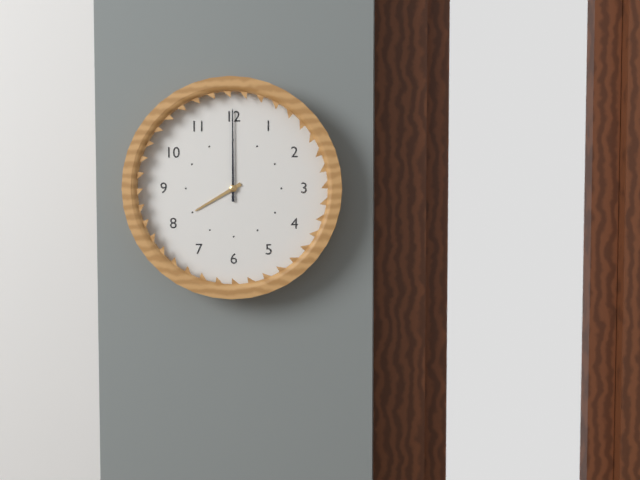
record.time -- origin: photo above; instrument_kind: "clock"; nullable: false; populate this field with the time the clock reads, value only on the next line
8:00
